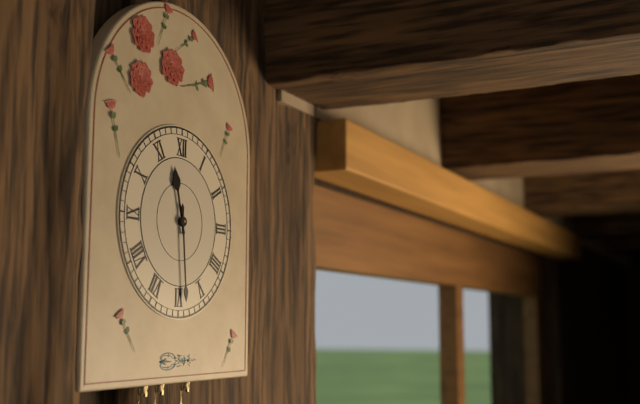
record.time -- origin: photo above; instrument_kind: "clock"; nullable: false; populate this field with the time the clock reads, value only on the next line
11:29
